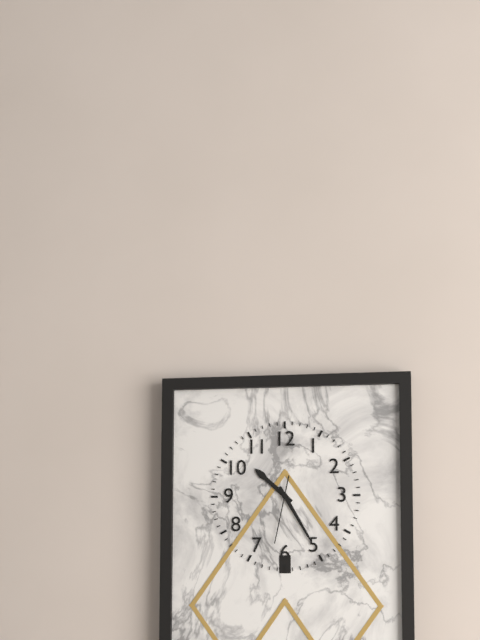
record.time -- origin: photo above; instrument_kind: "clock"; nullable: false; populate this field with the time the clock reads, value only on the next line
10:25:32
